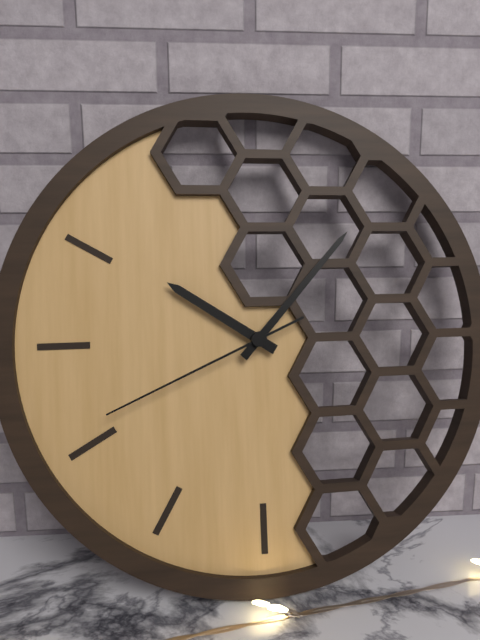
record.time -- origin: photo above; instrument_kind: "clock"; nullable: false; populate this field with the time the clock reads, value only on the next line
10:07:41
